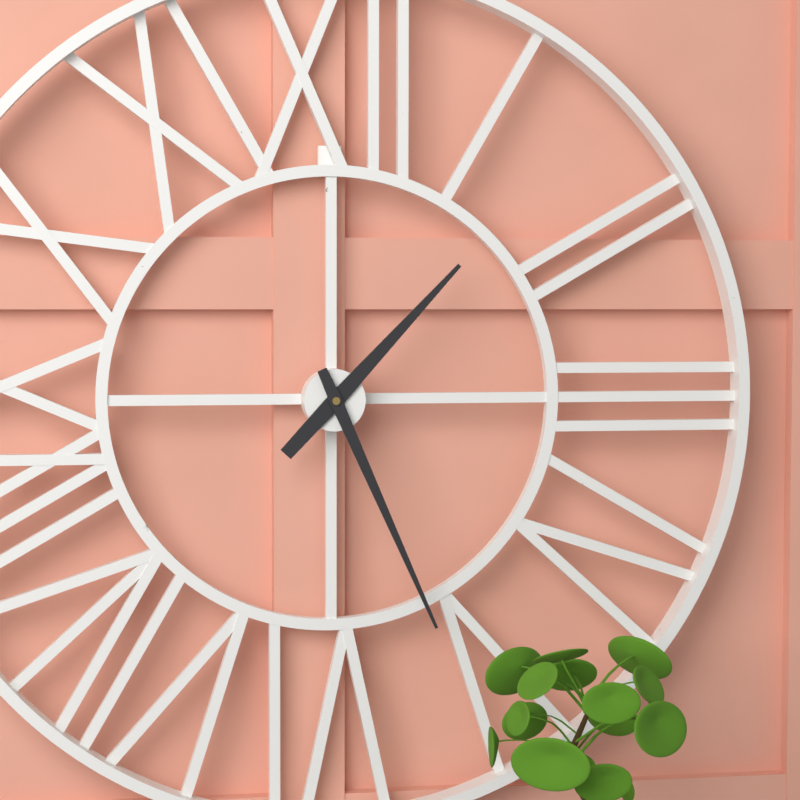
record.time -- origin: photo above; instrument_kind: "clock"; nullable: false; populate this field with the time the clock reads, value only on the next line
1:26
